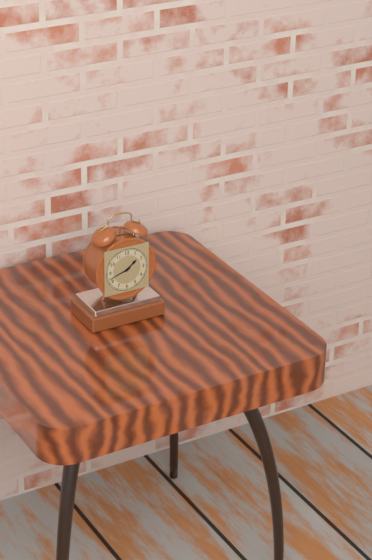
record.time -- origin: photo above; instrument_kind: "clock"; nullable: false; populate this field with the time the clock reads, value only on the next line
1:42
